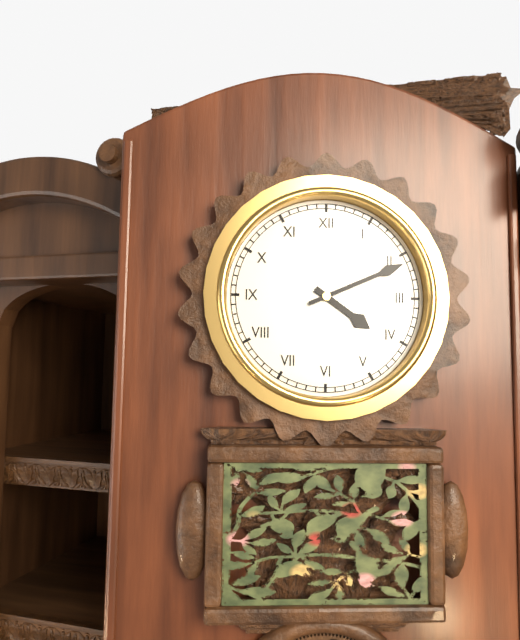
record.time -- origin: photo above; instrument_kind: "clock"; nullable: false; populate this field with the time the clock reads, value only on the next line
4:11
